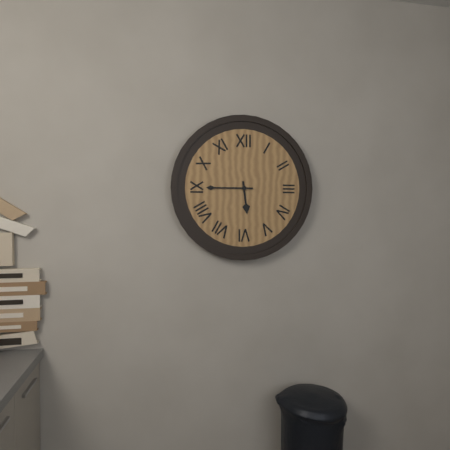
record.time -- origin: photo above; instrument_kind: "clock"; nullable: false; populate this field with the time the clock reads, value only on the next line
5:45
